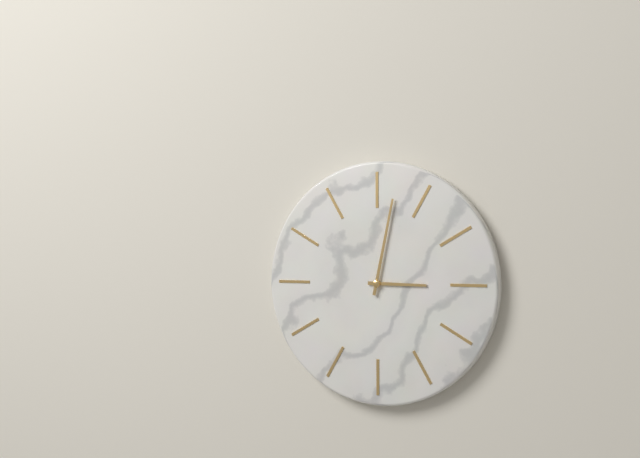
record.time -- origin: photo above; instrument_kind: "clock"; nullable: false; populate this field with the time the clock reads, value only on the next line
3:02
